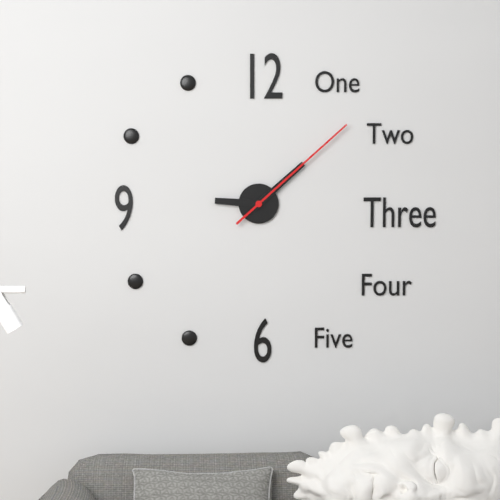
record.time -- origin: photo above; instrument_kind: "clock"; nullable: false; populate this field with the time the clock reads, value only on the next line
9:08:08
